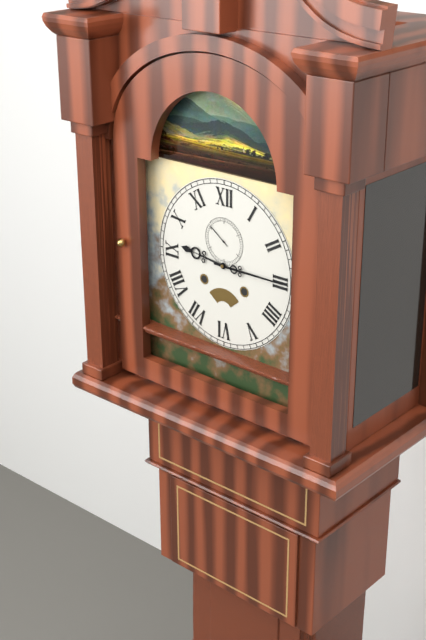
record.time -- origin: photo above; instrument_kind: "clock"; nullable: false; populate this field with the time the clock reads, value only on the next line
9:15
